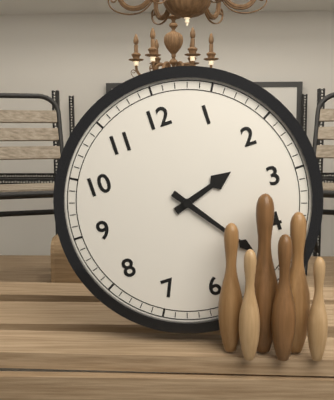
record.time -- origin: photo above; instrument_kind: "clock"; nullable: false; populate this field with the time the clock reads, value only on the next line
2:24
